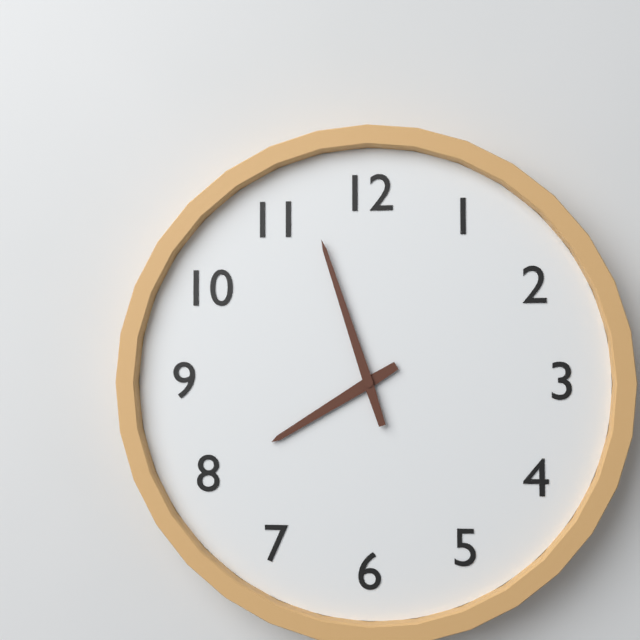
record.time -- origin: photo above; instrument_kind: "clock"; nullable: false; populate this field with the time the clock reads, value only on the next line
7:57
